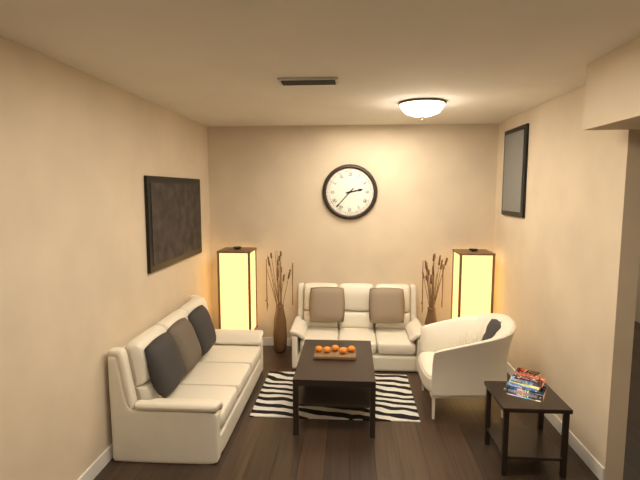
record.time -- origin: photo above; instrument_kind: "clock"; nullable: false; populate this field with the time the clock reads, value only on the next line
2:37
